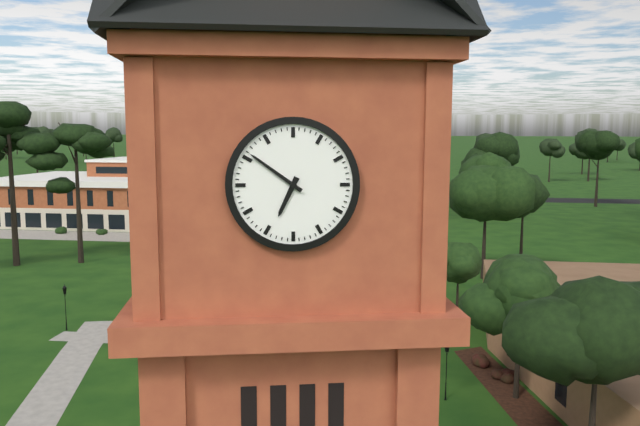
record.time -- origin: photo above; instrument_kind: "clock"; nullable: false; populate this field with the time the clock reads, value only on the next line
6:51
